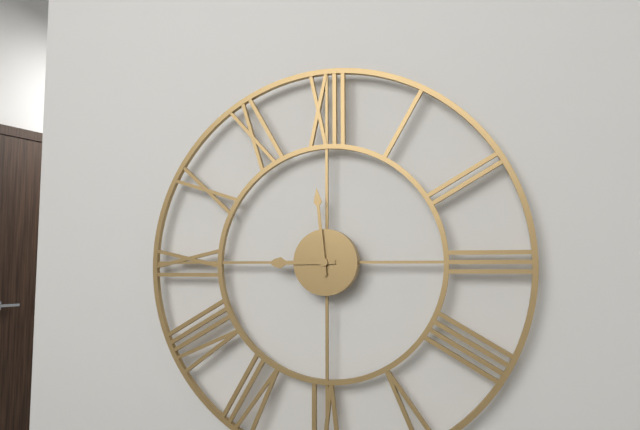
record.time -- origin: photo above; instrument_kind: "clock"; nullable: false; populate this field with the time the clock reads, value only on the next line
8:59
